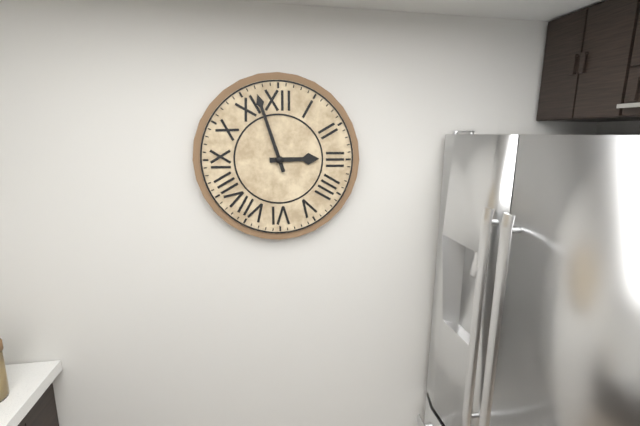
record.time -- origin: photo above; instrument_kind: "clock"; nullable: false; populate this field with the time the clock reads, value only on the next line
2:57
